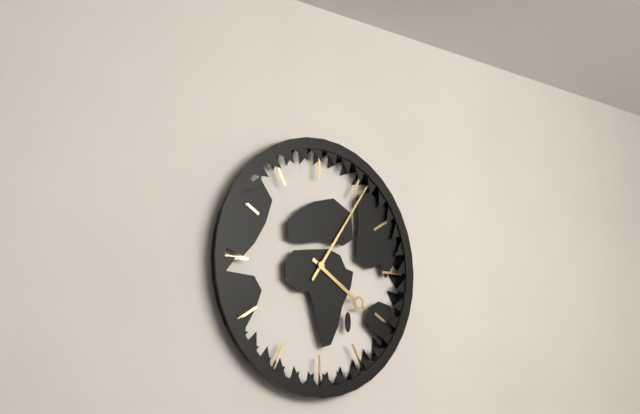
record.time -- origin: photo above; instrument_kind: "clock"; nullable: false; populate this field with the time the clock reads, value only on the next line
4:06
